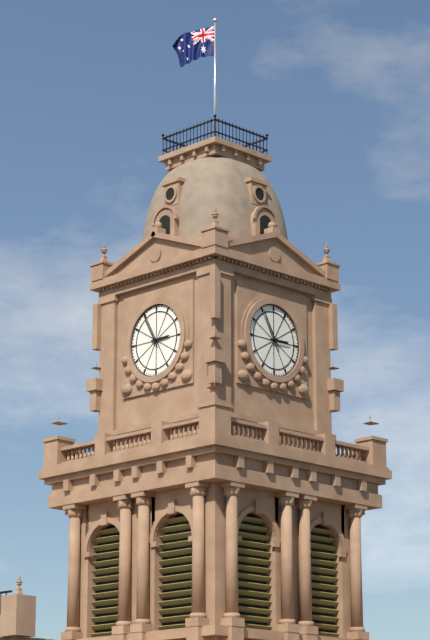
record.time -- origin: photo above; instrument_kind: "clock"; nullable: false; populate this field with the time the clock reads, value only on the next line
2:55
